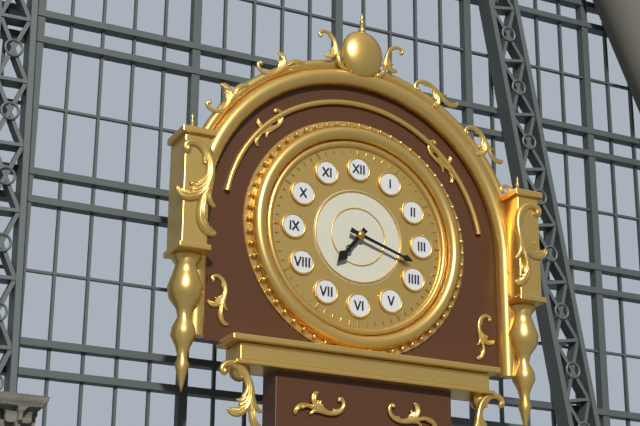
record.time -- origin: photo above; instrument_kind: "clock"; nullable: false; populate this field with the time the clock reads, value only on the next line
7:18
